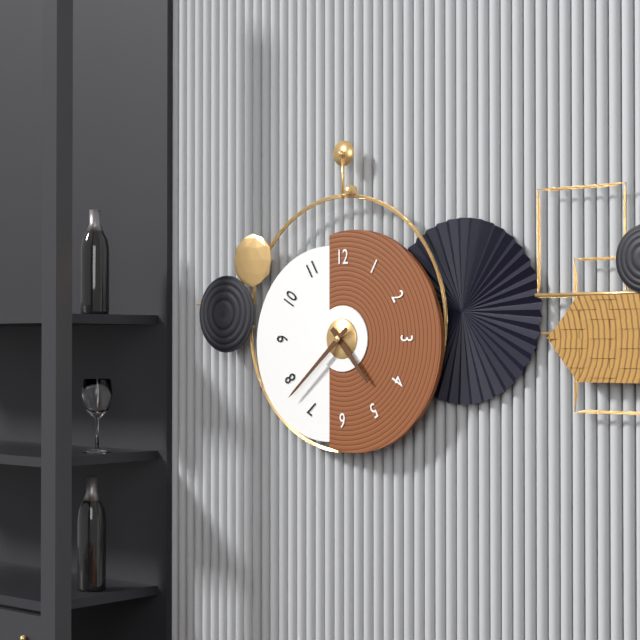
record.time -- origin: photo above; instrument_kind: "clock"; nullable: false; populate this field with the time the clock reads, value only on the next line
4:38
